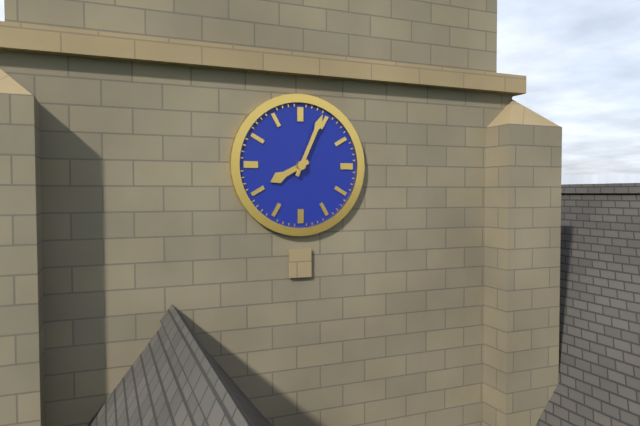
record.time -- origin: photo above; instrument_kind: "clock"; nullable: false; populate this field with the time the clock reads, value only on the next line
8:04
